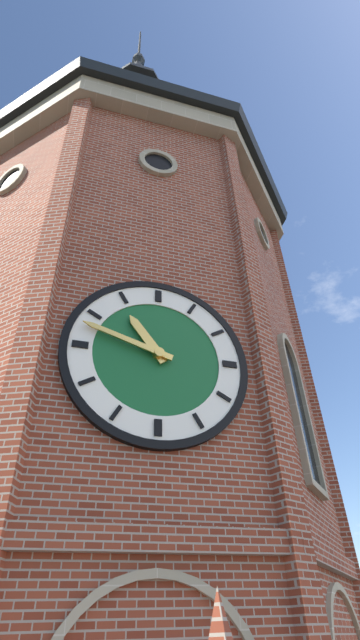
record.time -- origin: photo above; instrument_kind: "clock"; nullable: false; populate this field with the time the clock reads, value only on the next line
10:48
